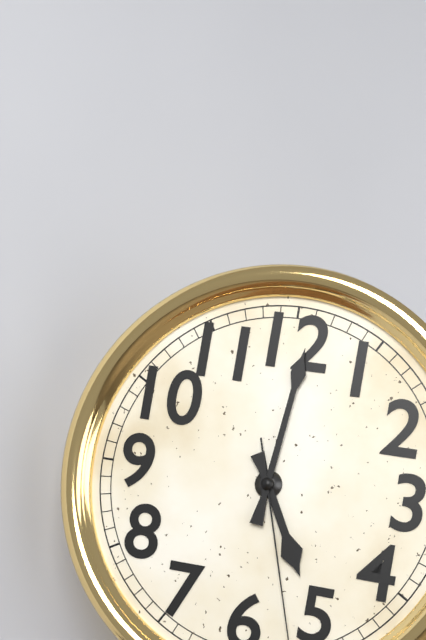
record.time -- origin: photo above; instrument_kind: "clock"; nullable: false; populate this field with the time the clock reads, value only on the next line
5:01
